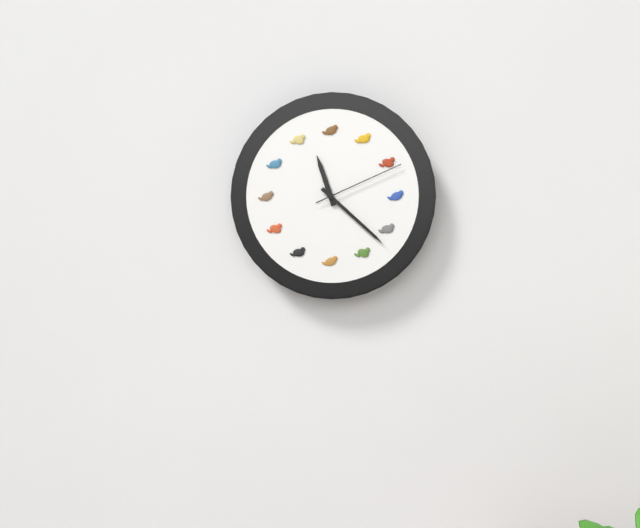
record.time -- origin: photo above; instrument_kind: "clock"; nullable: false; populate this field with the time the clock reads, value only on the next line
11:22:11
